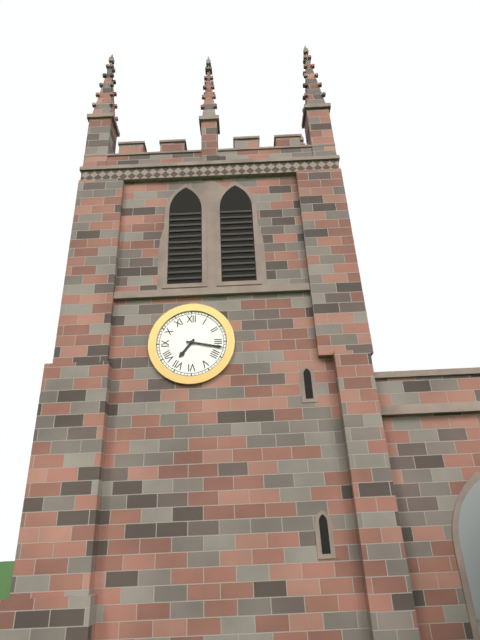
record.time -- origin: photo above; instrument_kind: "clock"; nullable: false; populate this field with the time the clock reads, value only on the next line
7:17
